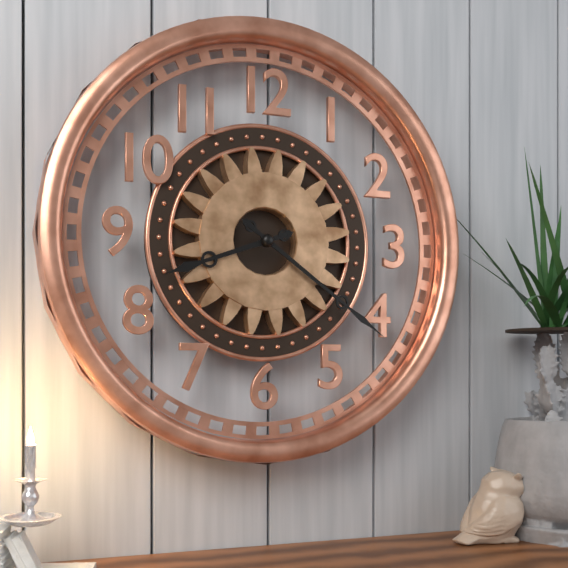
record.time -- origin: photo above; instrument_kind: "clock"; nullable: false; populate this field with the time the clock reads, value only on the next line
8:21
